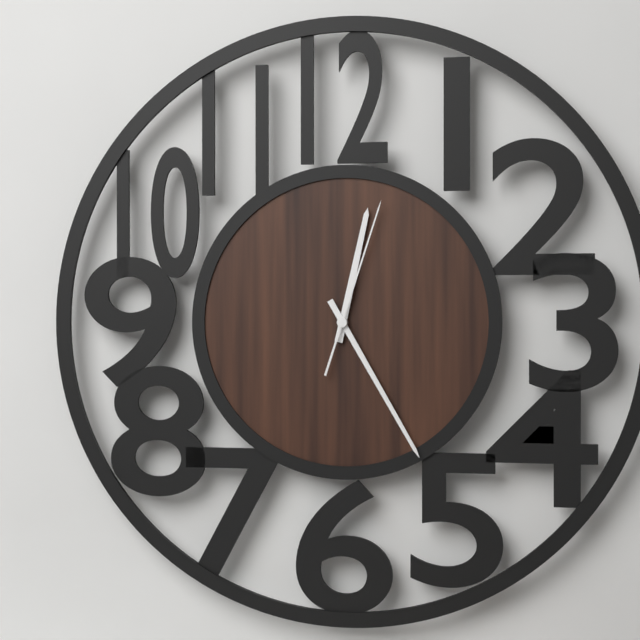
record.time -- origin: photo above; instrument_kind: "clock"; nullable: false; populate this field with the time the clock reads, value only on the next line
12:25:03
